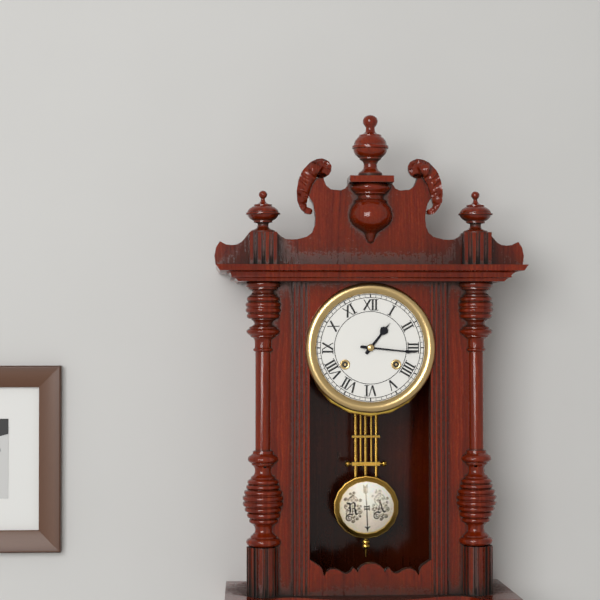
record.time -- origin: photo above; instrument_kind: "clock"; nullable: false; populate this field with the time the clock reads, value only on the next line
1:16
